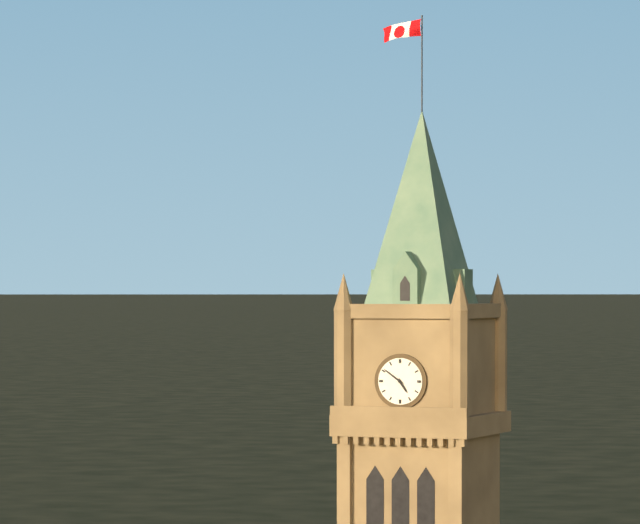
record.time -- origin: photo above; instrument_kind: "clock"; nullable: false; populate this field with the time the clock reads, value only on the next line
4:51
